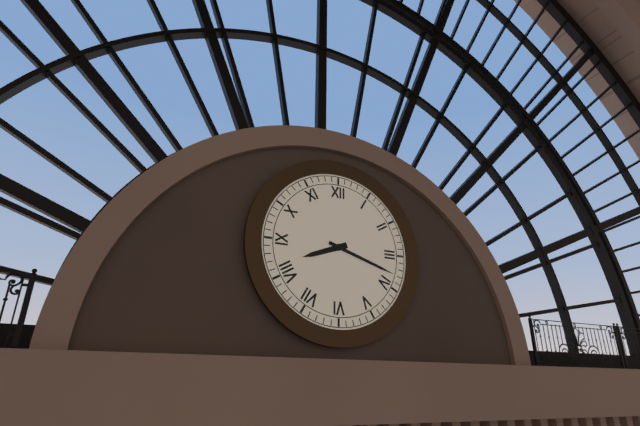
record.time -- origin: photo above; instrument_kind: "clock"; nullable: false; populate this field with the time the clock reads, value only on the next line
8:18
